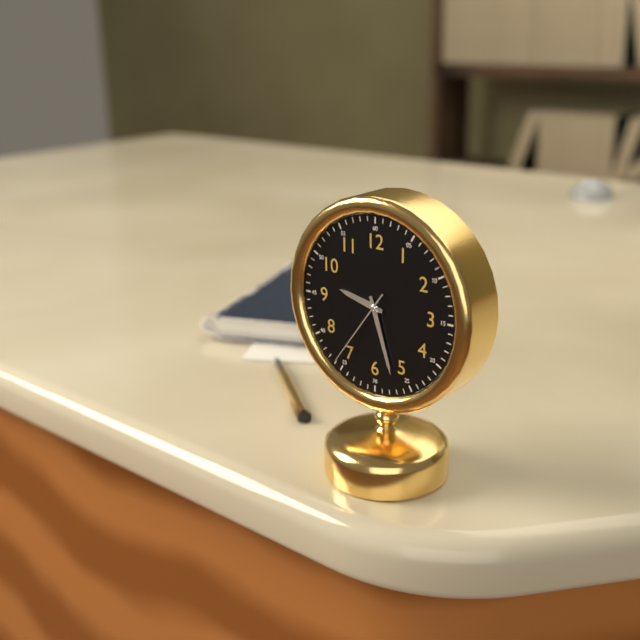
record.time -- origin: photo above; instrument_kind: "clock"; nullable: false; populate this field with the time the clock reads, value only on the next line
9:27:36
